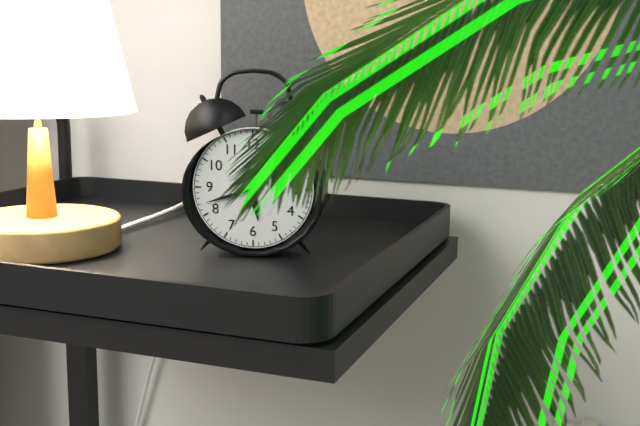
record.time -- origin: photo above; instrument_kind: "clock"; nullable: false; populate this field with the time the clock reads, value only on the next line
5:42
